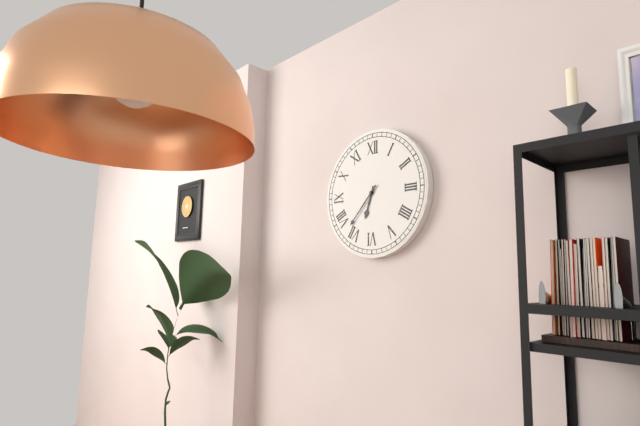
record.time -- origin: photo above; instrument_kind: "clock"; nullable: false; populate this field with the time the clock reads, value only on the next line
6:37
